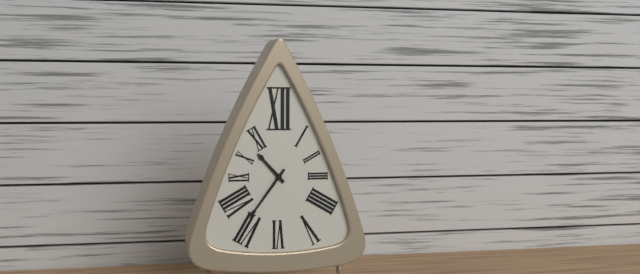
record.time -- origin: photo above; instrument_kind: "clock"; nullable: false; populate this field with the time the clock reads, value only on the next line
10:36
